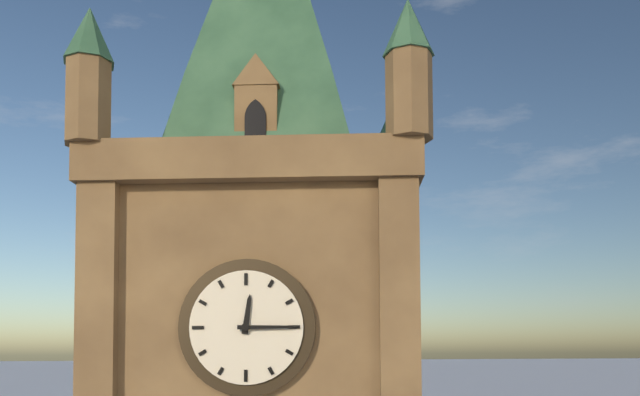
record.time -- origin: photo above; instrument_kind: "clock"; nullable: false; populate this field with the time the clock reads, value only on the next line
12:15
